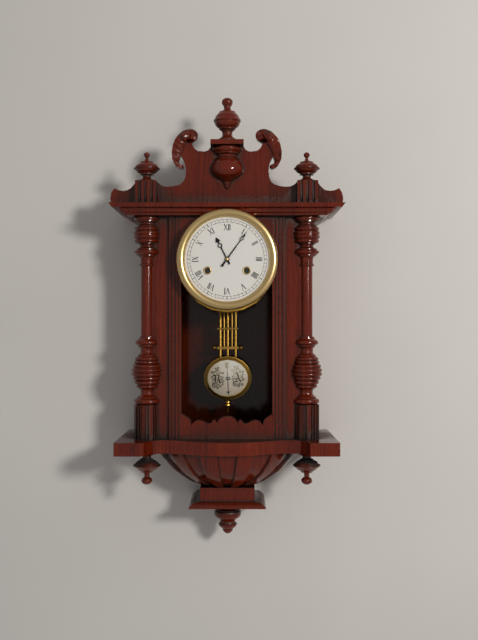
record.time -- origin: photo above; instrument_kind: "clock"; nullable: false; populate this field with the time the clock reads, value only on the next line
11:06
